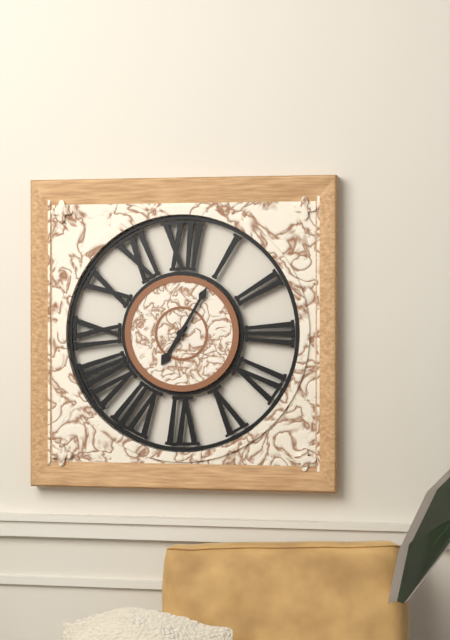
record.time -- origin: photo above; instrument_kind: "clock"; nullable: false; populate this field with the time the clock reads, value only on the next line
7:05
